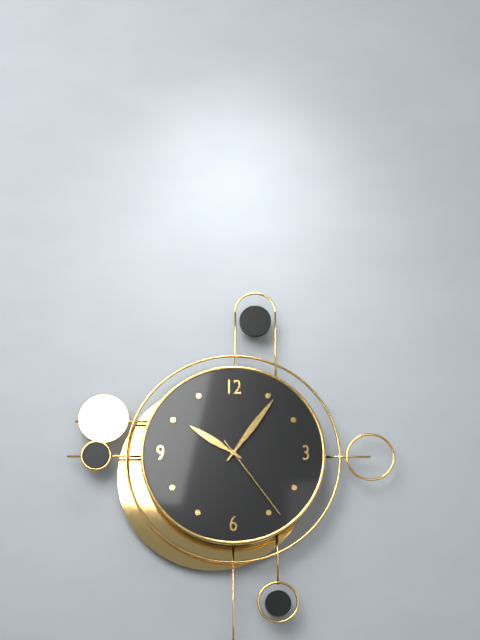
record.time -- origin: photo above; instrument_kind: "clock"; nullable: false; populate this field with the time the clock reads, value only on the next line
10:06:24
